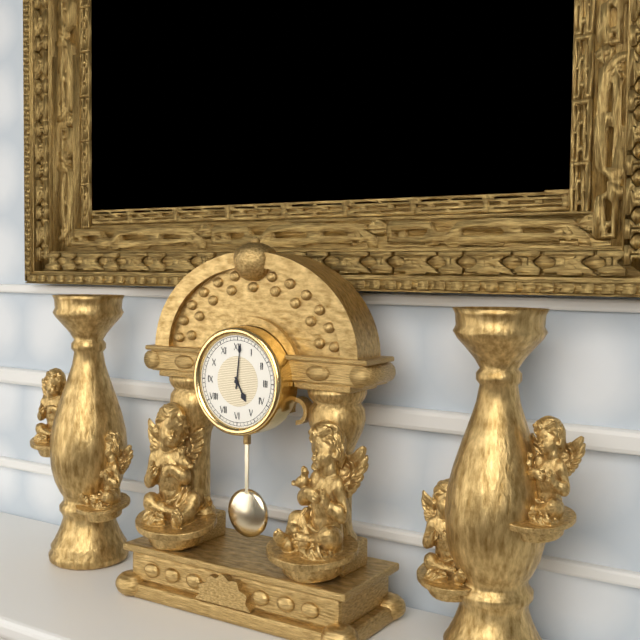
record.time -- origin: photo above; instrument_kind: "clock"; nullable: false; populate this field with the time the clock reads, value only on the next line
5:01
